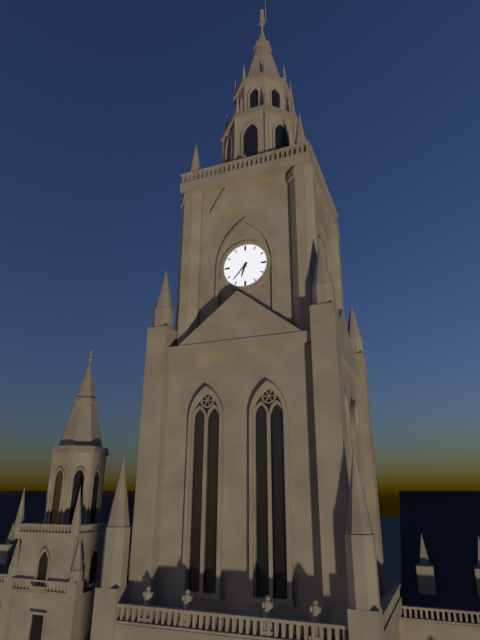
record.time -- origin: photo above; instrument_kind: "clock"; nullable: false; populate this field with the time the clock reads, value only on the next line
6:37
